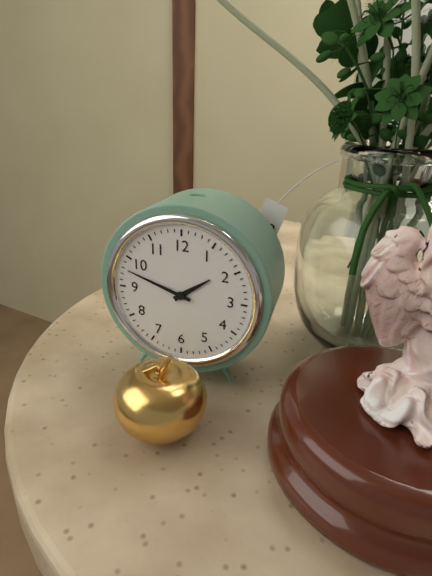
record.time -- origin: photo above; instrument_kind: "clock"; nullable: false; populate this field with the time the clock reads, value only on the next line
1:48
